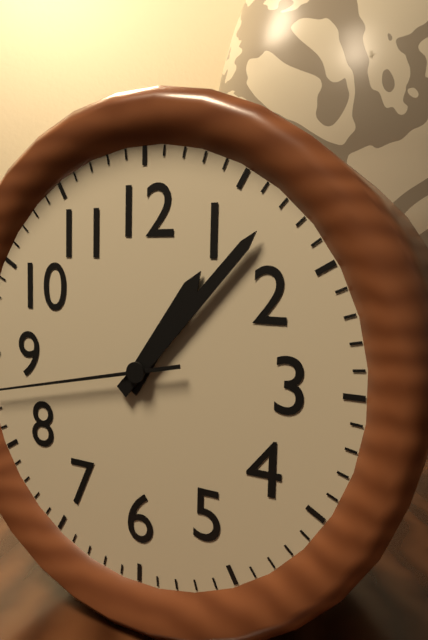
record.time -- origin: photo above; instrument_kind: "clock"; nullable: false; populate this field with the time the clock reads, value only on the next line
1:07
